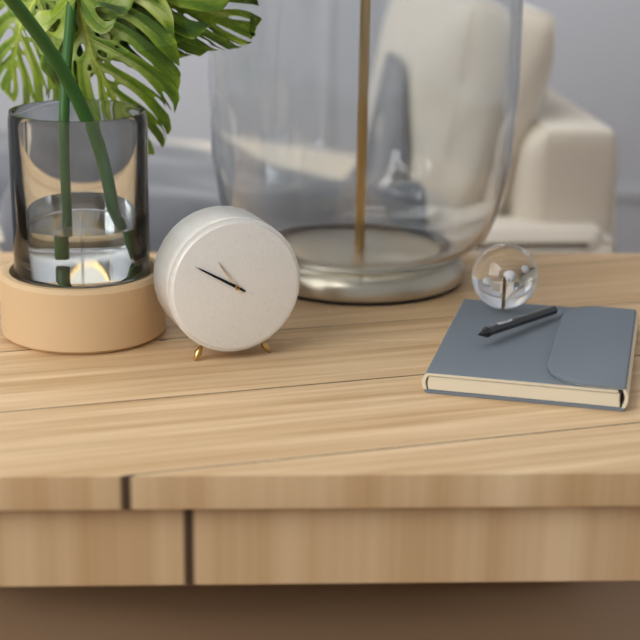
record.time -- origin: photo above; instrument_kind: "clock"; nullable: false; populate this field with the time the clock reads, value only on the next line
10:50
